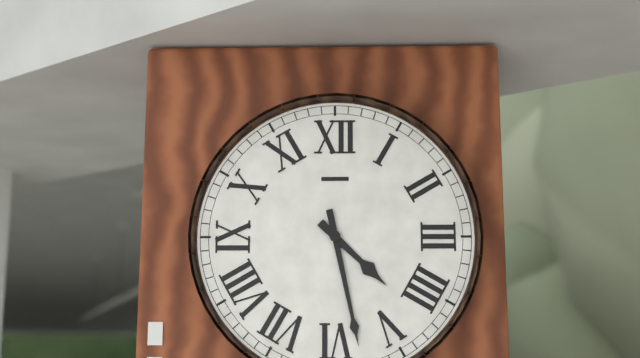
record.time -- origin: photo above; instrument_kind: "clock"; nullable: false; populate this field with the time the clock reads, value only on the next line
4:28
